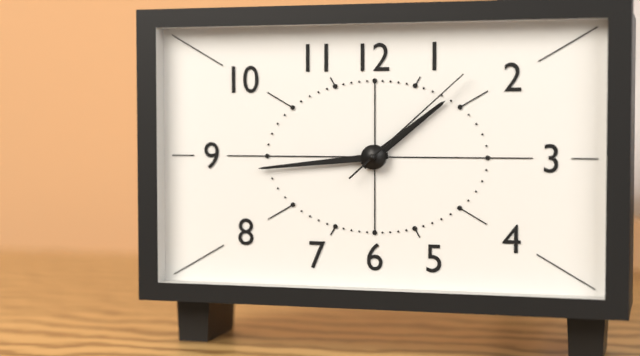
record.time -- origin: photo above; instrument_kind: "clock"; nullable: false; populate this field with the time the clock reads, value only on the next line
1:44:08
